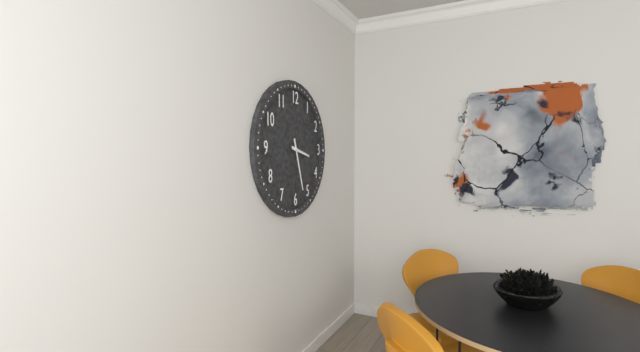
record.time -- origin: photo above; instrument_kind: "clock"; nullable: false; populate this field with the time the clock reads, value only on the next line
3:27
